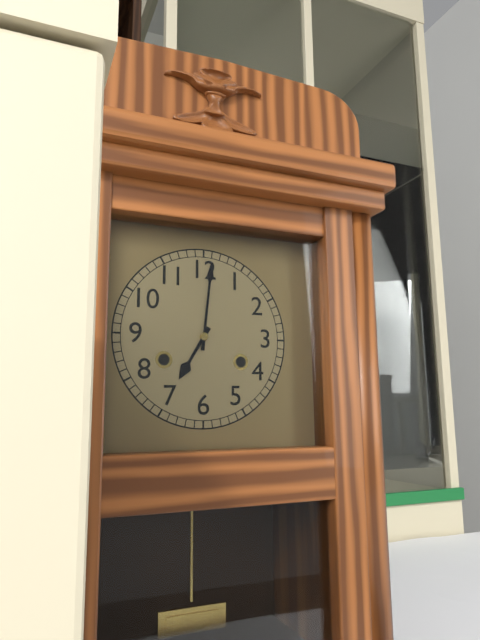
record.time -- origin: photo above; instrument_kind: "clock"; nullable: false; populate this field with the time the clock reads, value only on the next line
7:01
